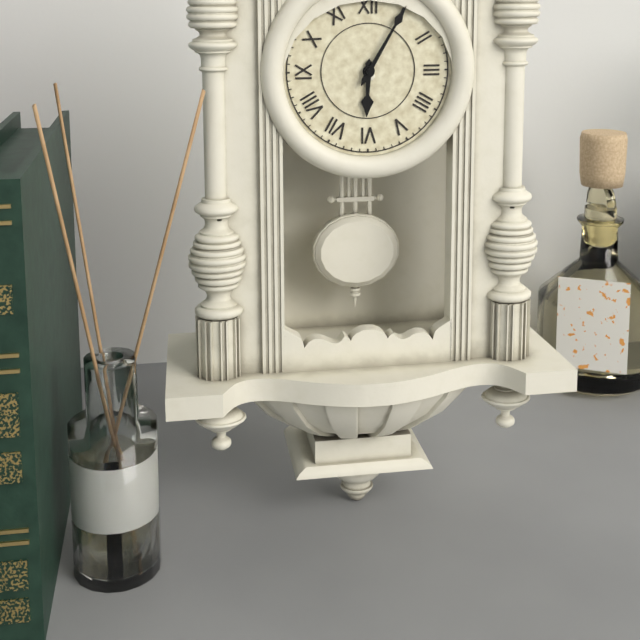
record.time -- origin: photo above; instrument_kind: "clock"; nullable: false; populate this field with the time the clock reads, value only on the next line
6:05
